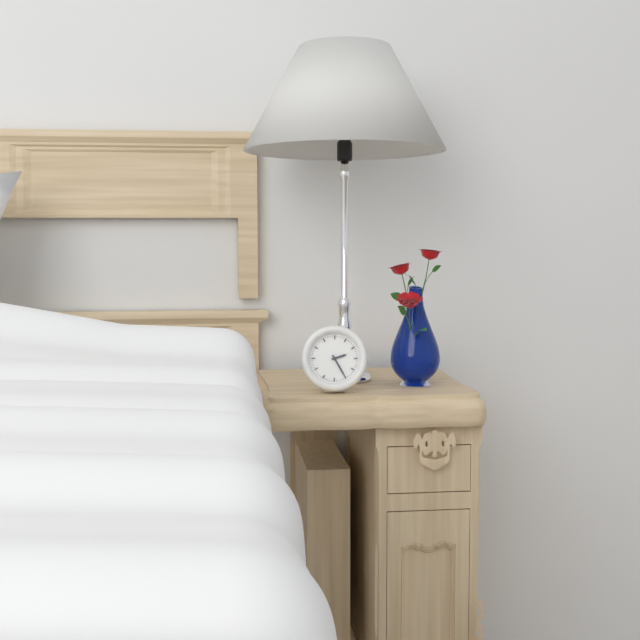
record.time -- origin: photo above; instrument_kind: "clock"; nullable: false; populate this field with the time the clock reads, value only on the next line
2:25
